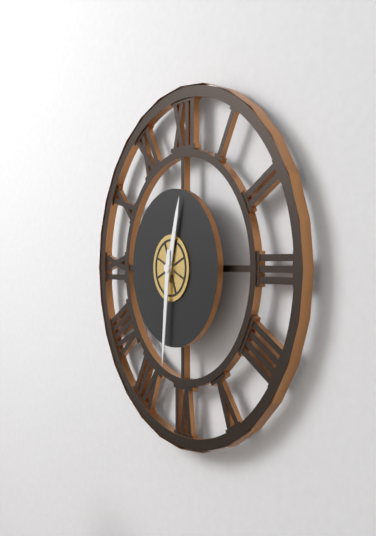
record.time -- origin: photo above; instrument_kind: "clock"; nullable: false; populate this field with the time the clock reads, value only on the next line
12:31
